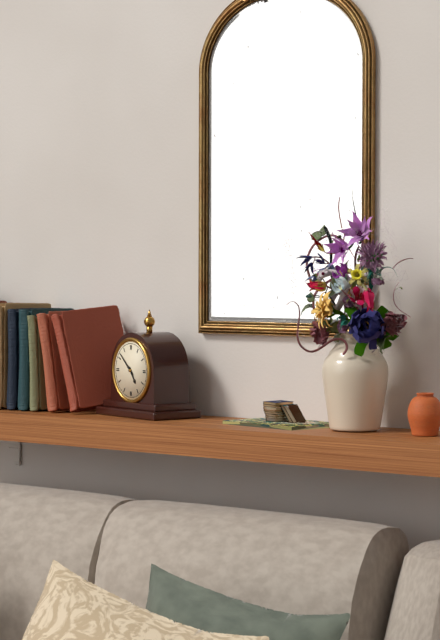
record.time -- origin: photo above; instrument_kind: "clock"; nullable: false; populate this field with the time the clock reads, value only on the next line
4:52
